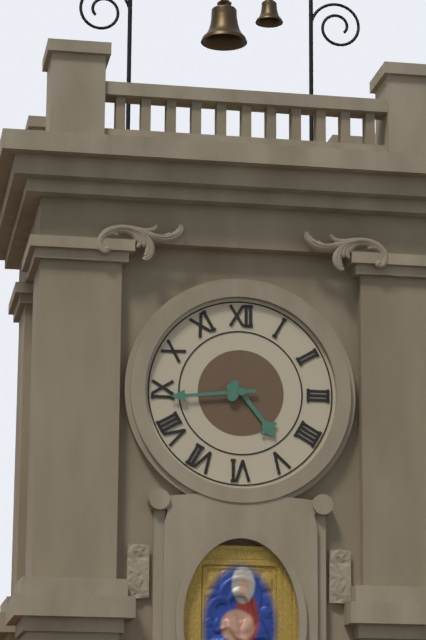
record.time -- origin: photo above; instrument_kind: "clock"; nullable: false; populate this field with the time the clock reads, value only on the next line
4:44
